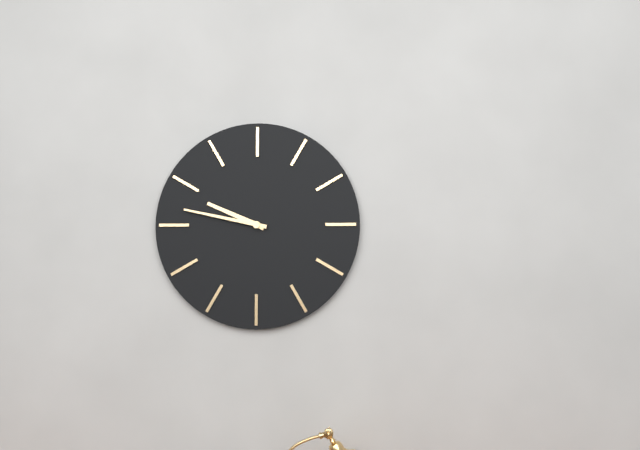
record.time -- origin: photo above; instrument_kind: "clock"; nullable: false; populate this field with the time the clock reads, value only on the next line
9:47
